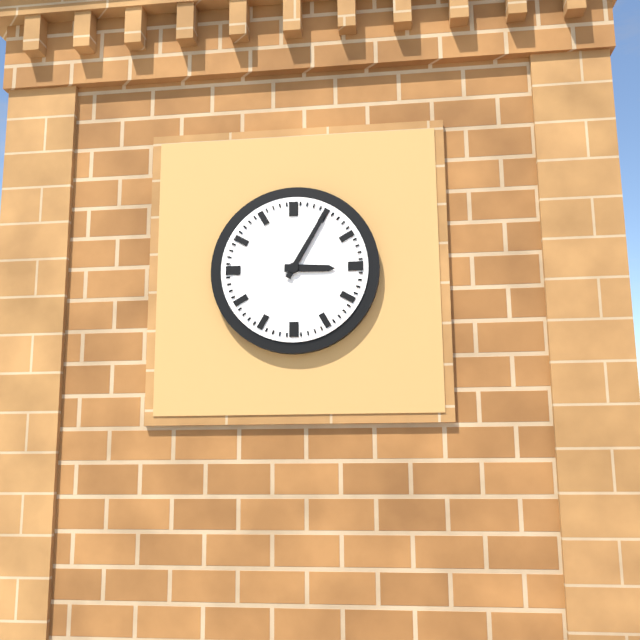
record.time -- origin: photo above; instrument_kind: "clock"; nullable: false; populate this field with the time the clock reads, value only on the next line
3:05
